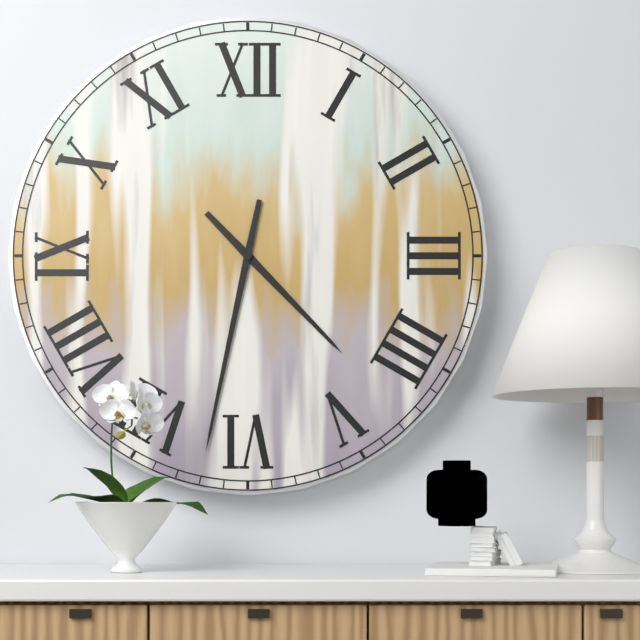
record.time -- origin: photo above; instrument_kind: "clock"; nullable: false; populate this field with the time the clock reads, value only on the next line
4:32
